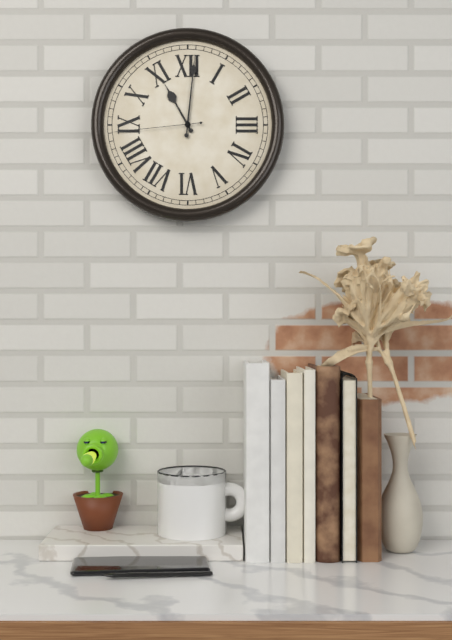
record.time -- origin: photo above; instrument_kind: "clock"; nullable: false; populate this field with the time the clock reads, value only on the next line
11:01:44
